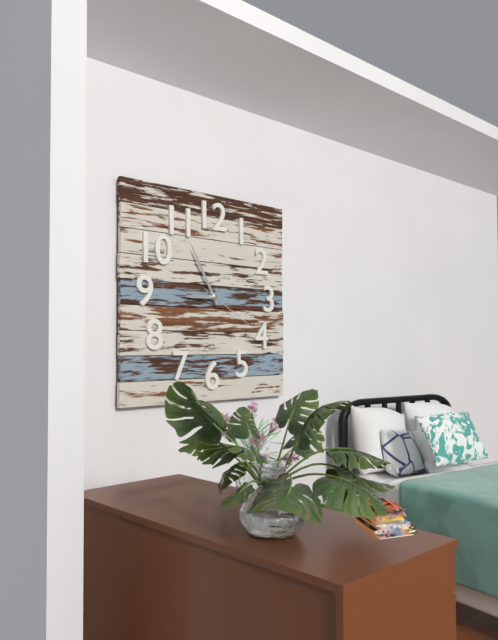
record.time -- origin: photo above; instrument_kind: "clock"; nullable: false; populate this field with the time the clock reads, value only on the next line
8:55:20
